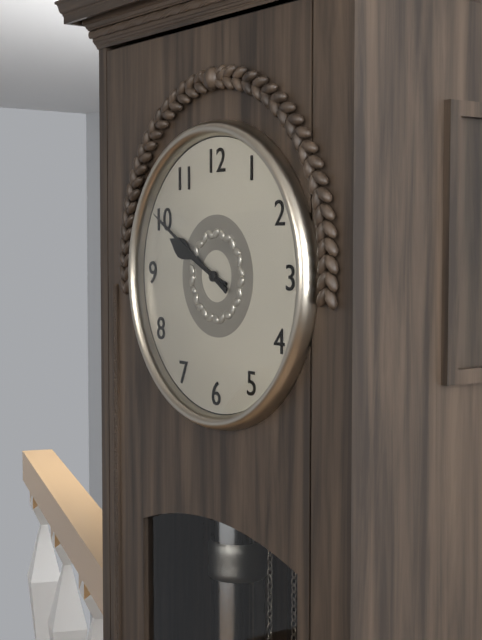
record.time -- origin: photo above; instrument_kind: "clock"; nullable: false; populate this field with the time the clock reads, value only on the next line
9:50
